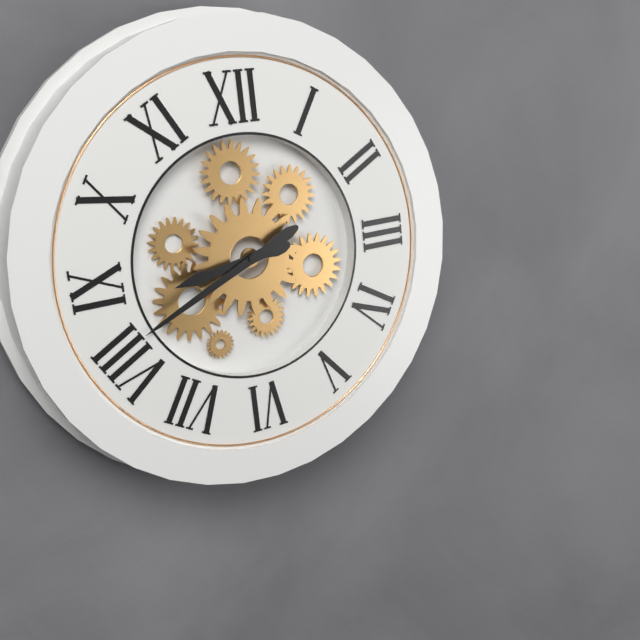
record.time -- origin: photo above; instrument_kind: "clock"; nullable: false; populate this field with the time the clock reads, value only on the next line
8:41
